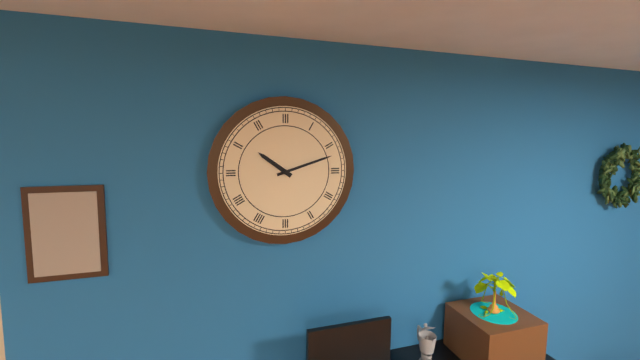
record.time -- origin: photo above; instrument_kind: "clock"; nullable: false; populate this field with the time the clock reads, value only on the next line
10:12
